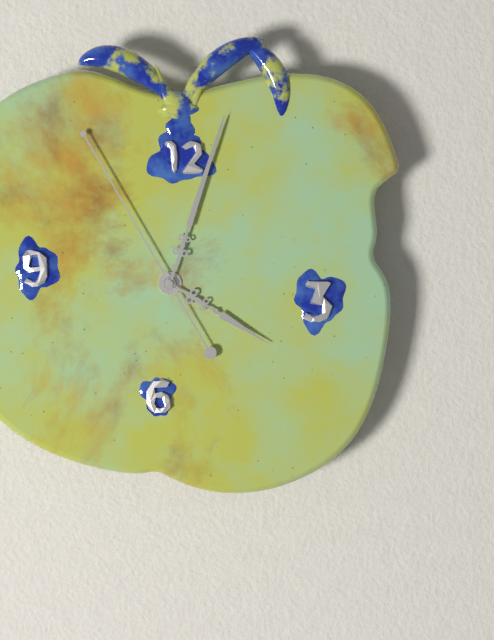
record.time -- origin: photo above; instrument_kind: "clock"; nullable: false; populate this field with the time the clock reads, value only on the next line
4:03:55
